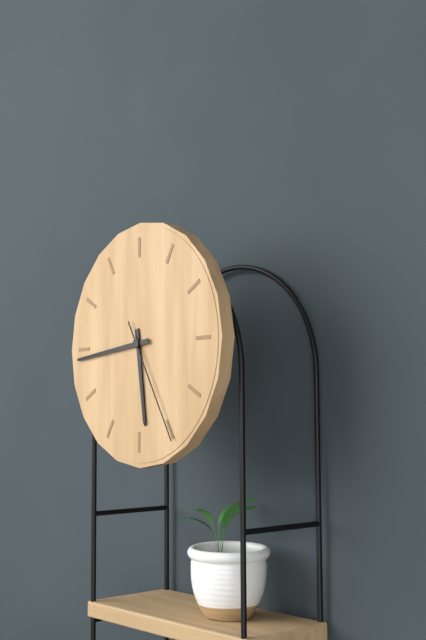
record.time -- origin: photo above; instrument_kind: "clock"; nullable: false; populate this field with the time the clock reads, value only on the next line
5:44:25
